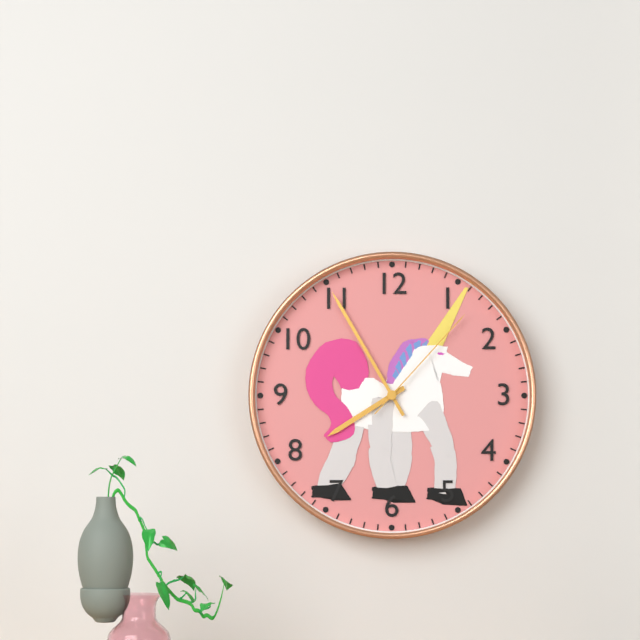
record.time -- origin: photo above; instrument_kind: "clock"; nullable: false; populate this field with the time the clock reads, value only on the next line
7:55:07
